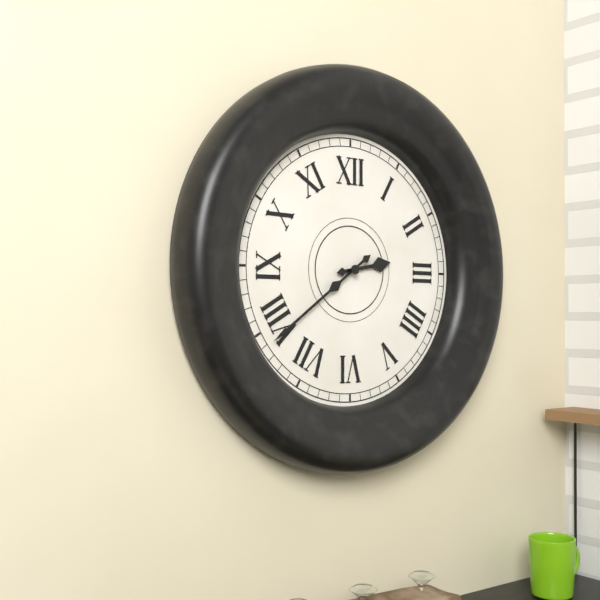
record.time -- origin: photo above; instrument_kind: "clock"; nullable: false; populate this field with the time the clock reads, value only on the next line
2:39
